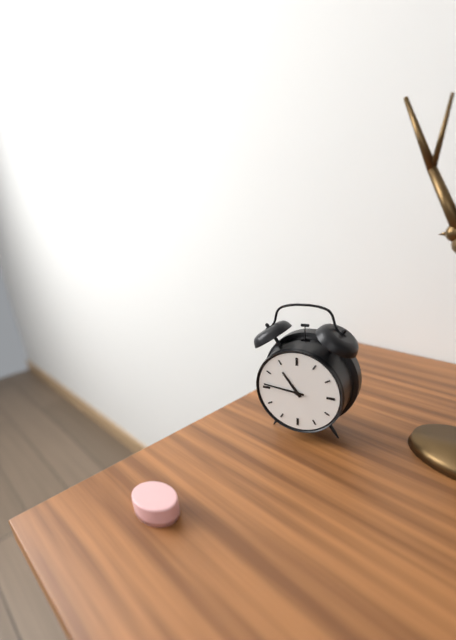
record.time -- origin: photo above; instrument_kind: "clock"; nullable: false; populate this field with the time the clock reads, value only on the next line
10:46
